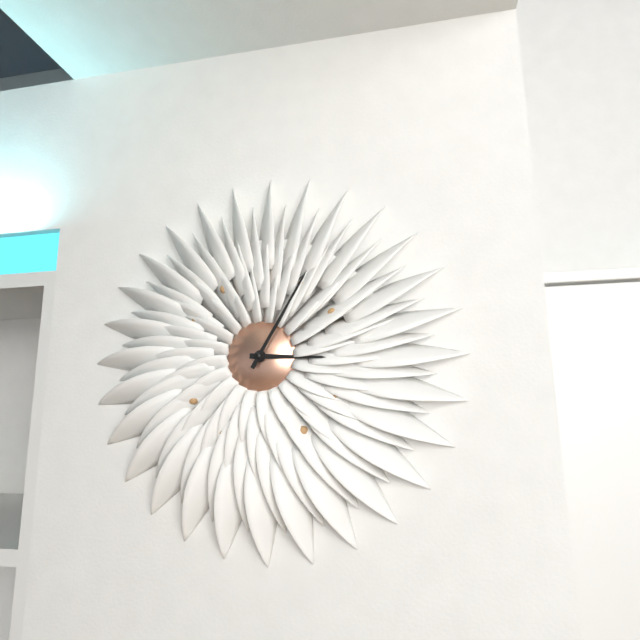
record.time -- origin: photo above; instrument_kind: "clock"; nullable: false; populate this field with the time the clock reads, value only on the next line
3:05
